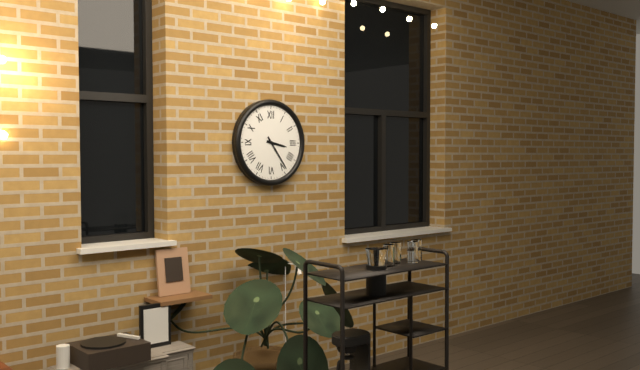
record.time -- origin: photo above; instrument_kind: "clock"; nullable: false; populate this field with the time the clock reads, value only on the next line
3:24
